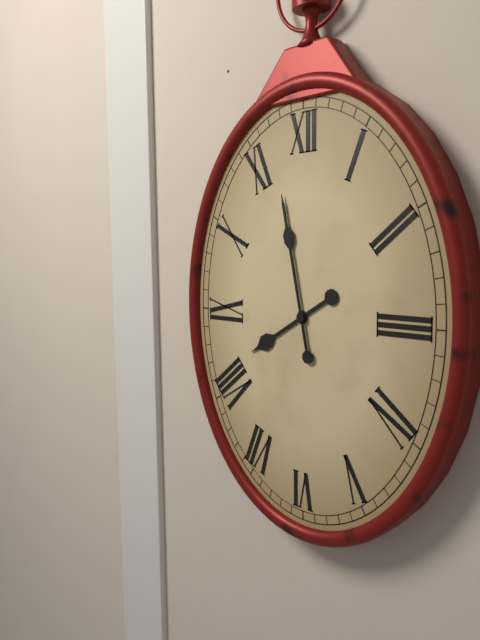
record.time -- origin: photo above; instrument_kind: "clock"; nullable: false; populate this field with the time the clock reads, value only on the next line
7:58
